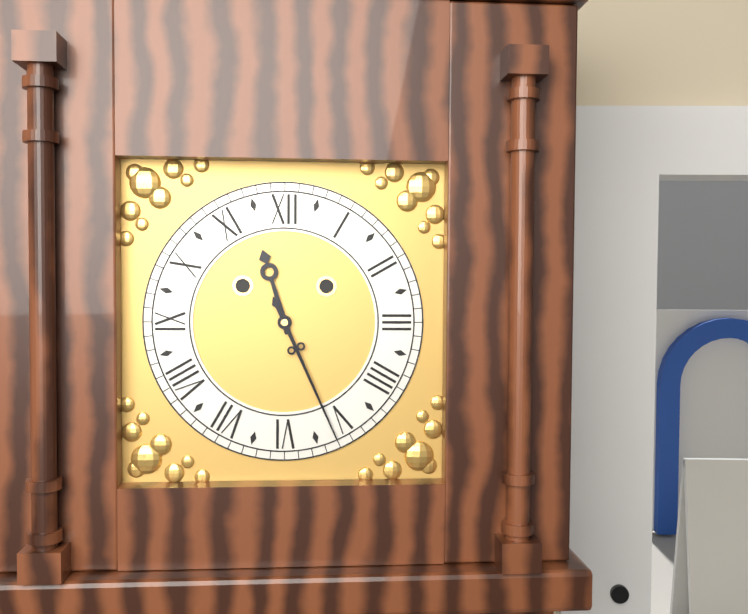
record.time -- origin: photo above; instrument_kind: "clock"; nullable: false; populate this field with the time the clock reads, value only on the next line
11:26
